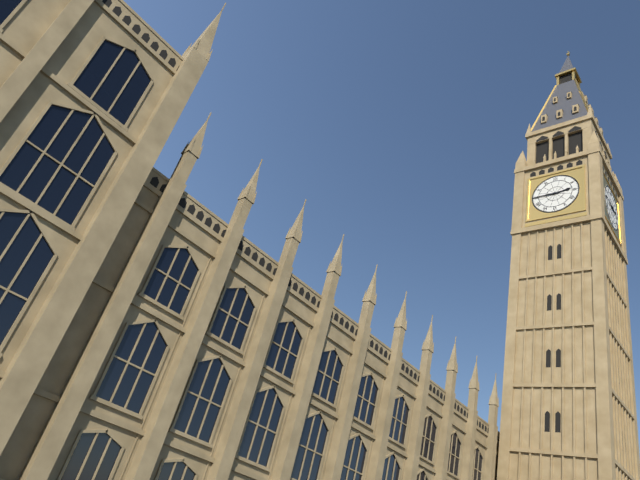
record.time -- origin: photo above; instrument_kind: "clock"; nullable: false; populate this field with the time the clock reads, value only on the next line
2:45
